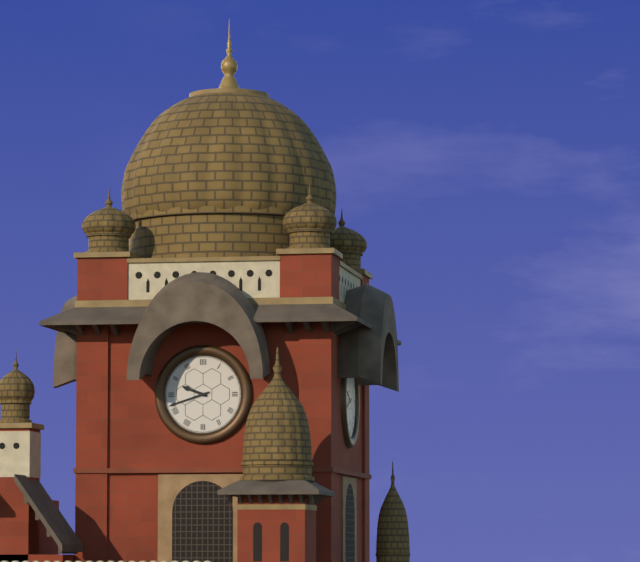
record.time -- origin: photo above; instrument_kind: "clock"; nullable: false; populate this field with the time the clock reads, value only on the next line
9:42
